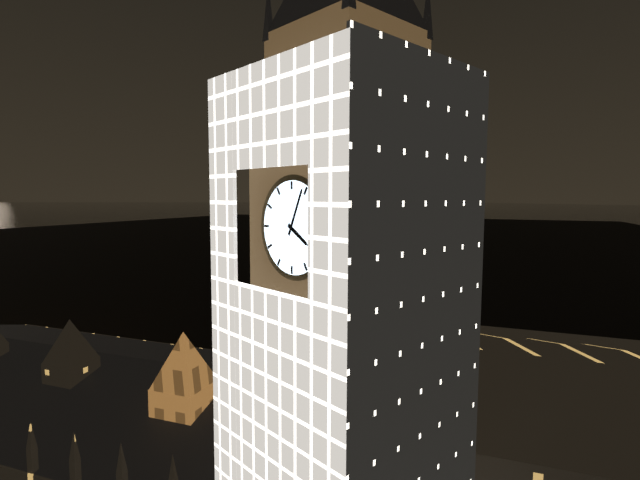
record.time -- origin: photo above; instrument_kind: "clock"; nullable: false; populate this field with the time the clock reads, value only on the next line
4:04
